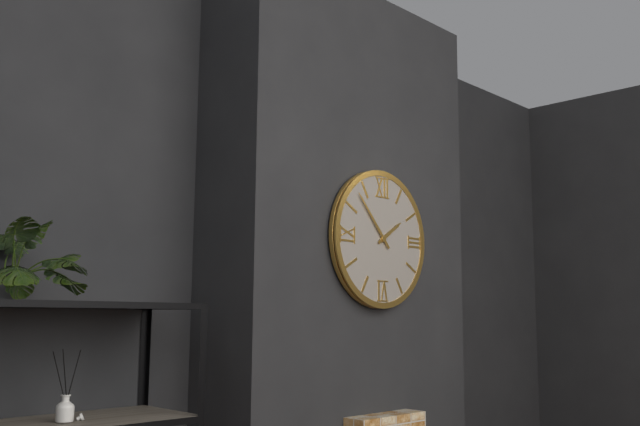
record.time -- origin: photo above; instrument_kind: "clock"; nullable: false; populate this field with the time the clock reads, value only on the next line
1:53
